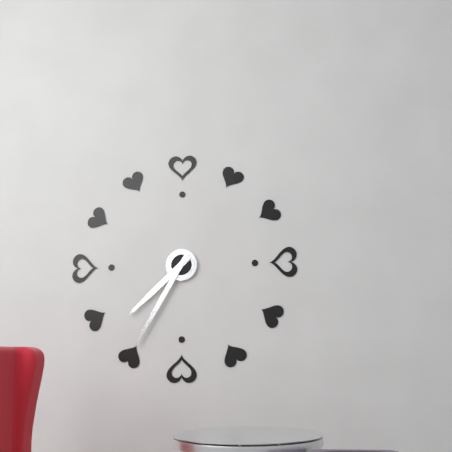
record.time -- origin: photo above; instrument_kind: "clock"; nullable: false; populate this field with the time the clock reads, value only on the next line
7:35
